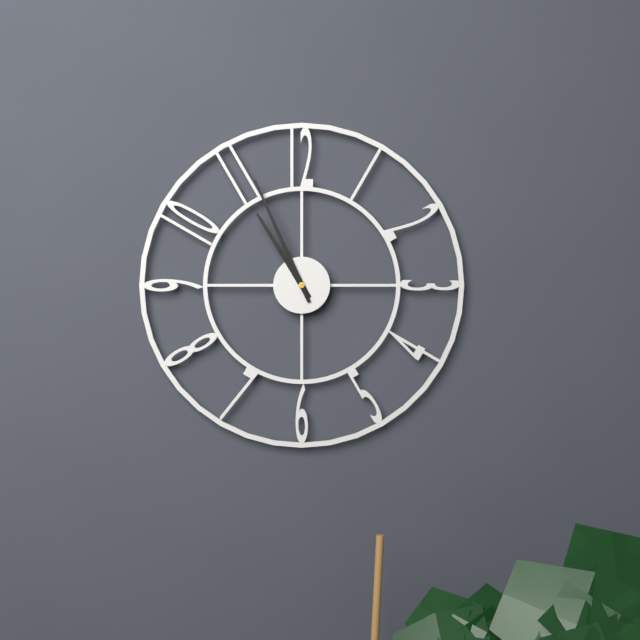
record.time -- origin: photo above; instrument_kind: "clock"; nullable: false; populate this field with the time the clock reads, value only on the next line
10:56
